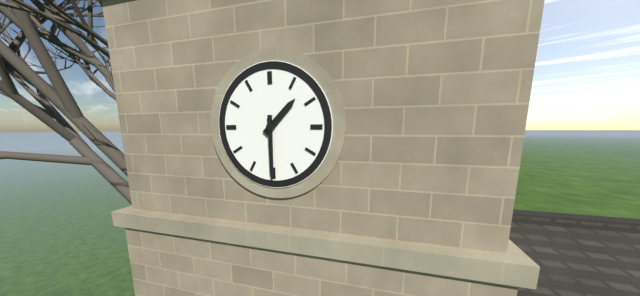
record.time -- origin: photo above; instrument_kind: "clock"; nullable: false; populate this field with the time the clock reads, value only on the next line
1:30
